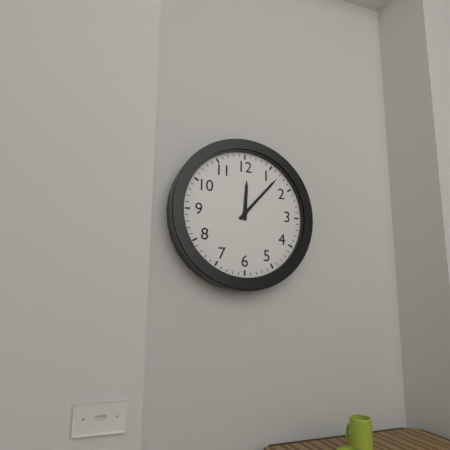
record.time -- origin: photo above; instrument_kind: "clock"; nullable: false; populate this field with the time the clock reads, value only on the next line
12:07
